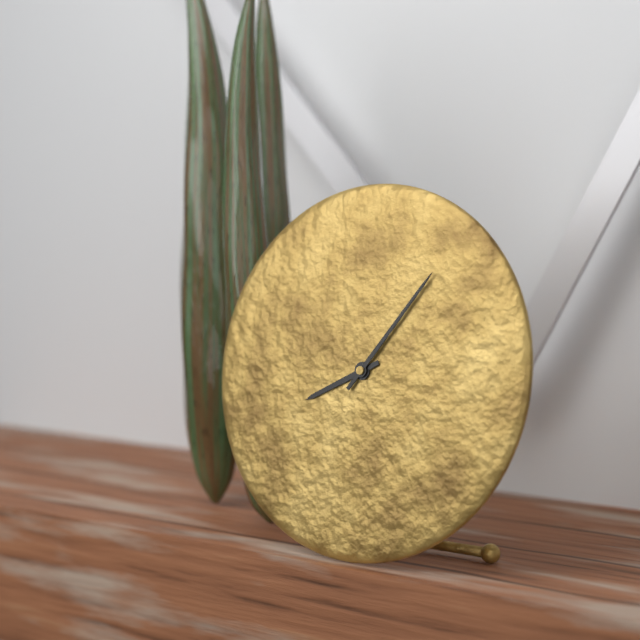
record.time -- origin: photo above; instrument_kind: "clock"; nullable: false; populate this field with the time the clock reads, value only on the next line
8:06
